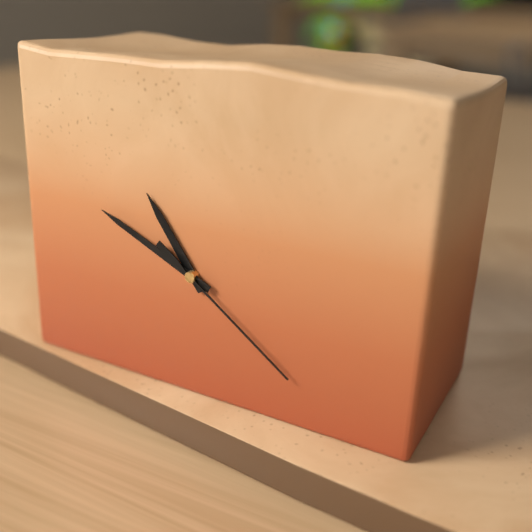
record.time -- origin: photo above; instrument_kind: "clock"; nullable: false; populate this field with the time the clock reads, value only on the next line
10:49:21
